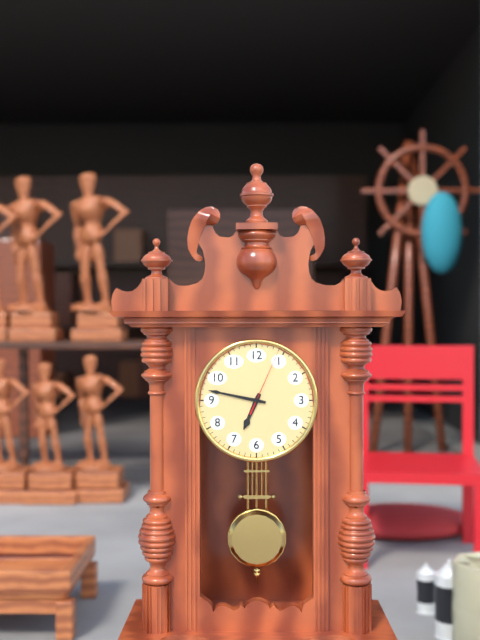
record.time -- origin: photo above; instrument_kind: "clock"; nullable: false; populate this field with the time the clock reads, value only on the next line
6:47:04
